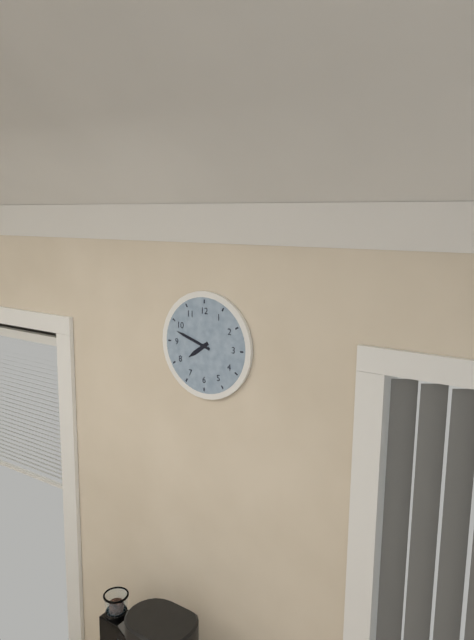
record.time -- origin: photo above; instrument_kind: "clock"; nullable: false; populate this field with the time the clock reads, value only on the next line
7:48
